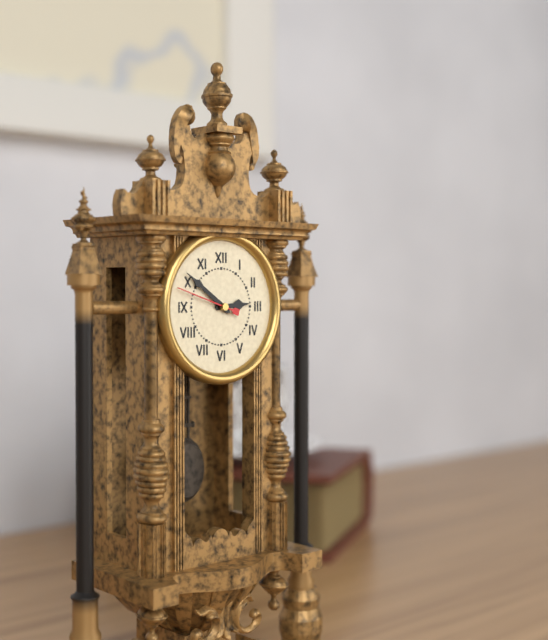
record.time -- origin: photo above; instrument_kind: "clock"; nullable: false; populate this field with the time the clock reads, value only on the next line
2:51:48
